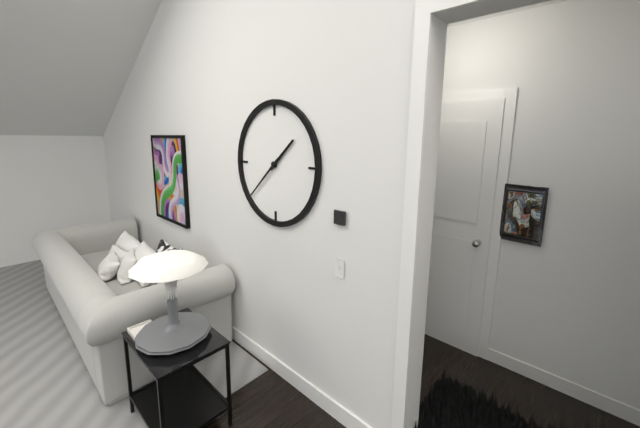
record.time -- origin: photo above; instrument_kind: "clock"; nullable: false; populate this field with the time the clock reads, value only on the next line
1:38
